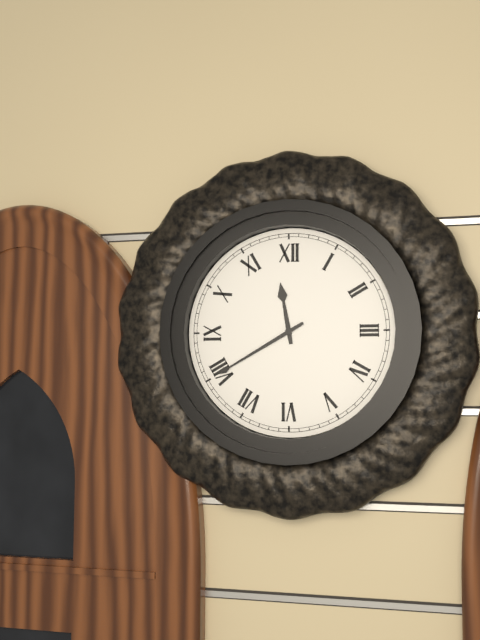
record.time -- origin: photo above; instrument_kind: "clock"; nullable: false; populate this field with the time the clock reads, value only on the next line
11:40
